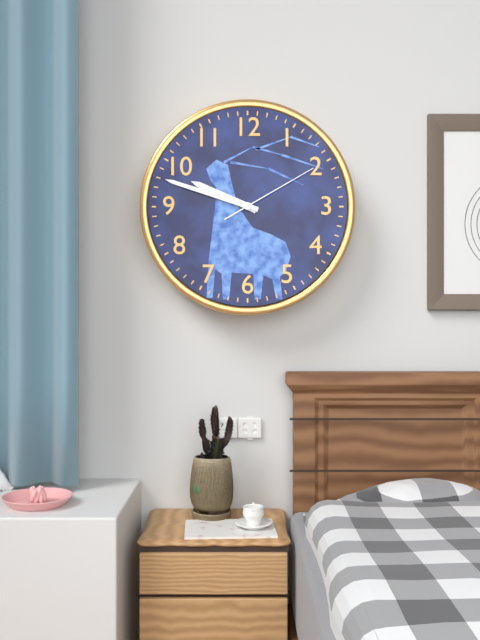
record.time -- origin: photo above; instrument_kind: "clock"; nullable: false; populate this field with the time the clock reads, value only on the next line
9:48:10
